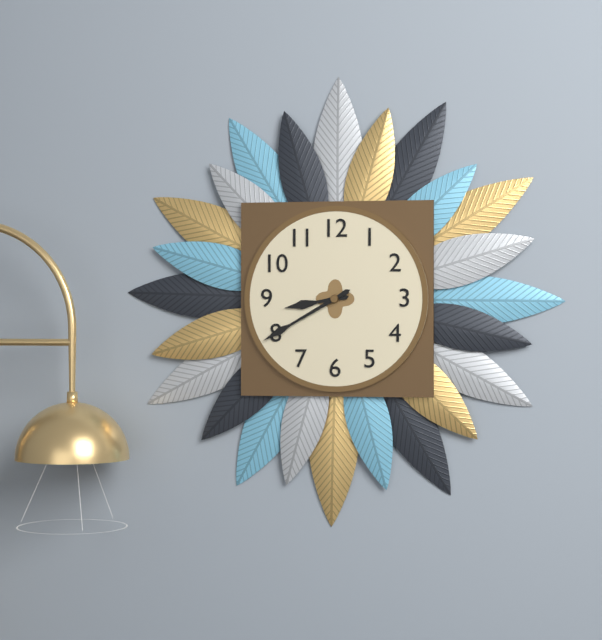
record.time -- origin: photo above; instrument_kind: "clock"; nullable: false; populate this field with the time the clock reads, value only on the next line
8:40
